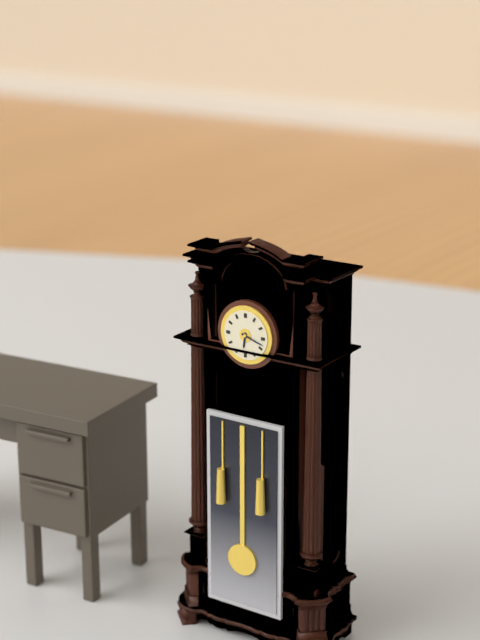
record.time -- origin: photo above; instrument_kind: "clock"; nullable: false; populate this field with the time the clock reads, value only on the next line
6:18
